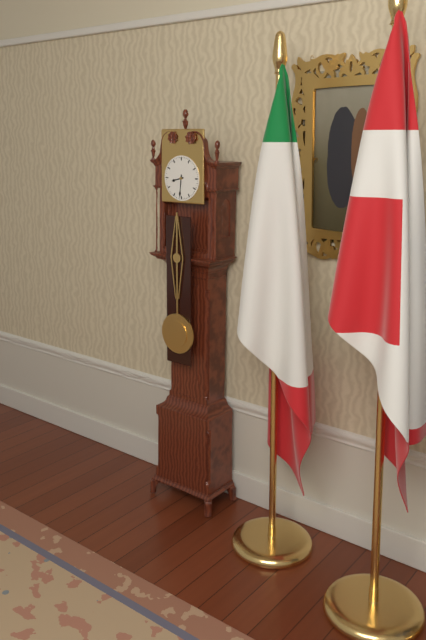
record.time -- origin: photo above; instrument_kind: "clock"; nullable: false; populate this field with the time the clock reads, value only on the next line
8:31
